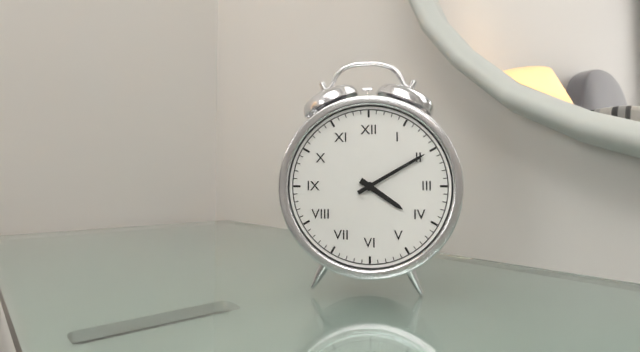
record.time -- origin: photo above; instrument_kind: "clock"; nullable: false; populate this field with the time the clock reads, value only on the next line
4:10
